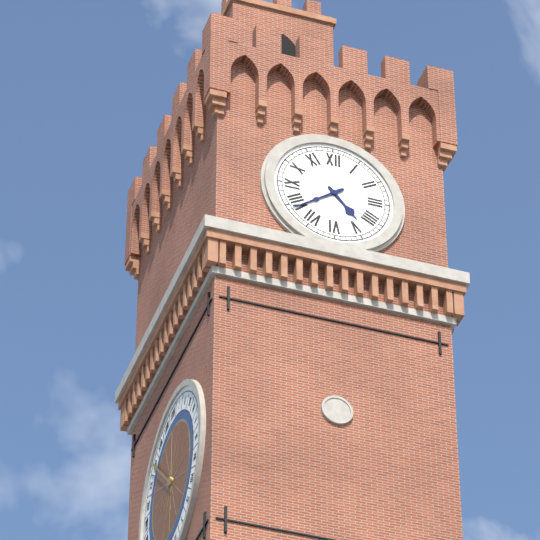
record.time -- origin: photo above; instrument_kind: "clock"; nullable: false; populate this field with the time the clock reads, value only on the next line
4:39
